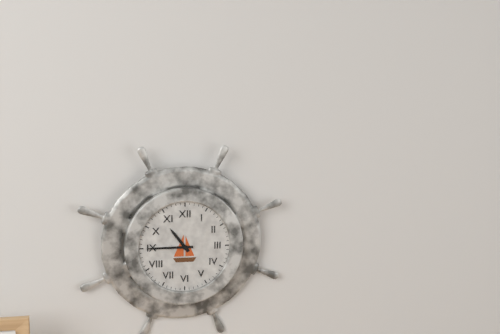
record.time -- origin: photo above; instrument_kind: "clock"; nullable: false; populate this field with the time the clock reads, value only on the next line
10:45
